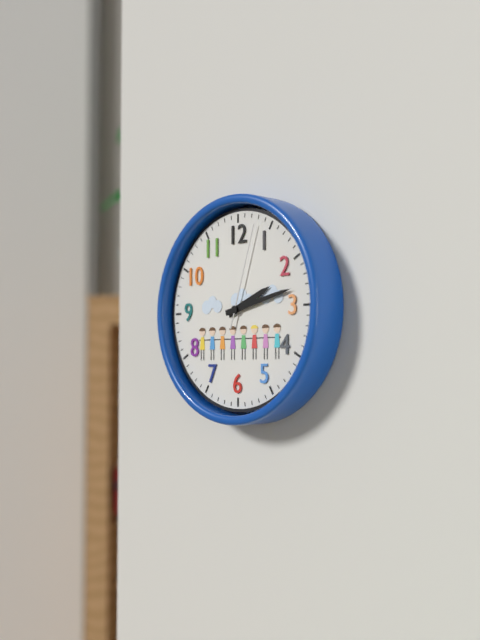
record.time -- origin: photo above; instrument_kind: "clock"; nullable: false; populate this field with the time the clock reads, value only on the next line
2:13:03
